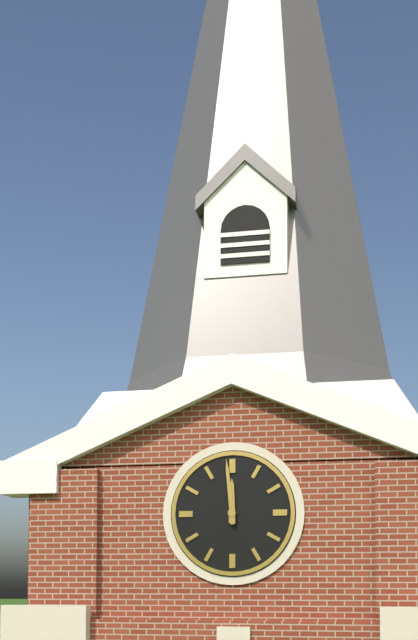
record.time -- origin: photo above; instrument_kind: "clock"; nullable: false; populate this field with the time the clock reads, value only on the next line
11:59
